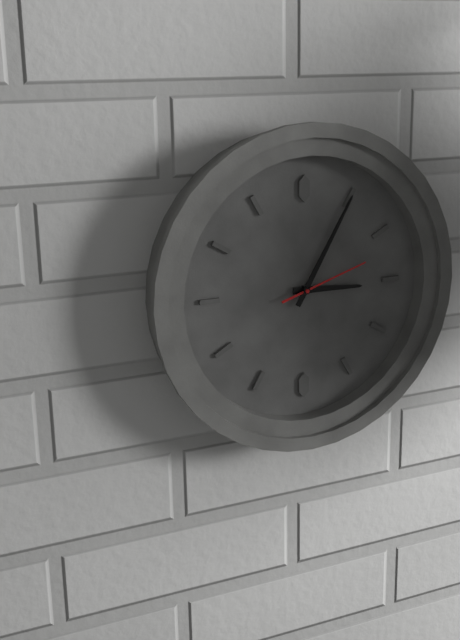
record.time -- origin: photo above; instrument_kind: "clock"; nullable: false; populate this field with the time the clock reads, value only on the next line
3:05:12
